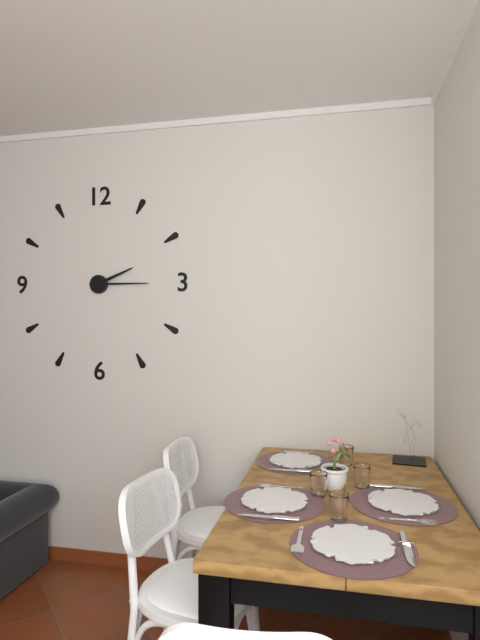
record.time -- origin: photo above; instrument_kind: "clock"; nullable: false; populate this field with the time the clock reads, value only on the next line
2:15
